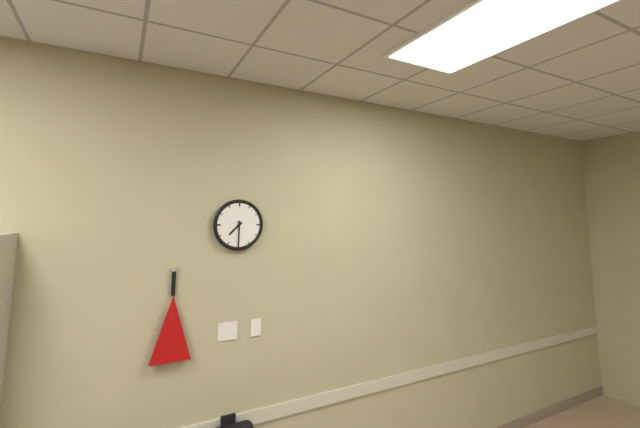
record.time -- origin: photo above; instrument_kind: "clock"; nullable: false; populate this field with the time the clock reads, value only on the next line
7:30
